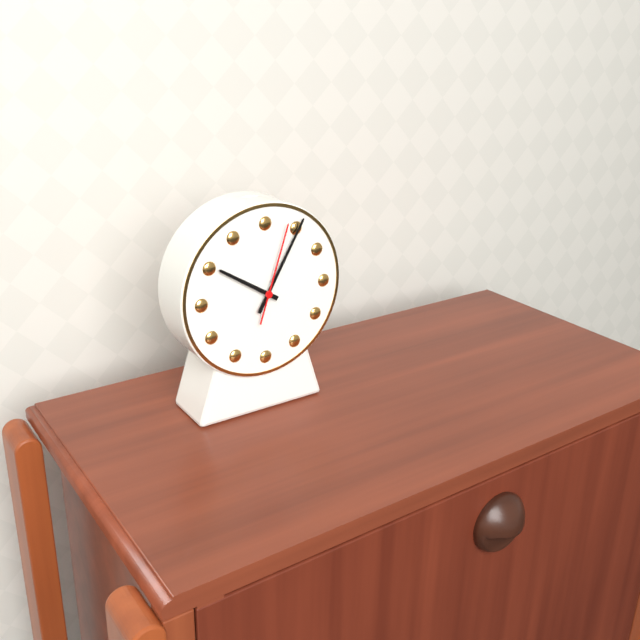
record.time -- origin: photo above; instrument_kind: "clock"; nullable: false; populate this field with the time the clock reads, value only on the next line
10:05:03
